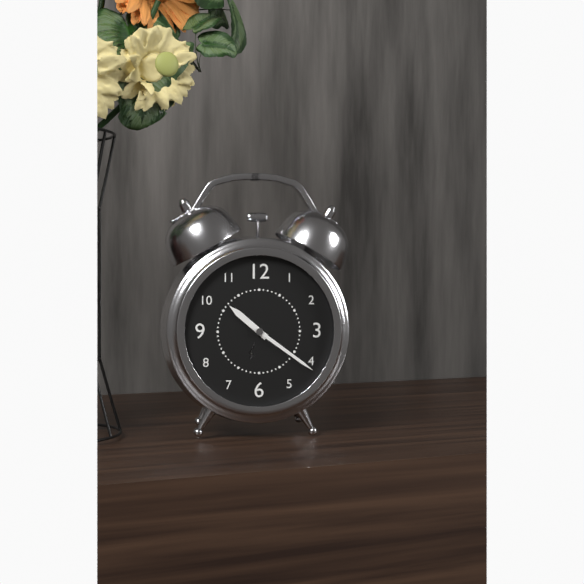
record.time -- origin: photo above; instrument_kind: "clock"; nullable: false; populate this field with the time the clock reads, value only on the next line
10:21
